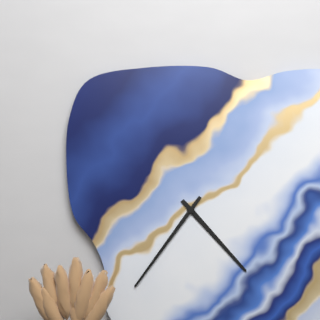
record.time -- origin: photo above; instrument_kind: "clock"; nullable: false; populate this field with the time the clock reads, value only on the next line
4:36
